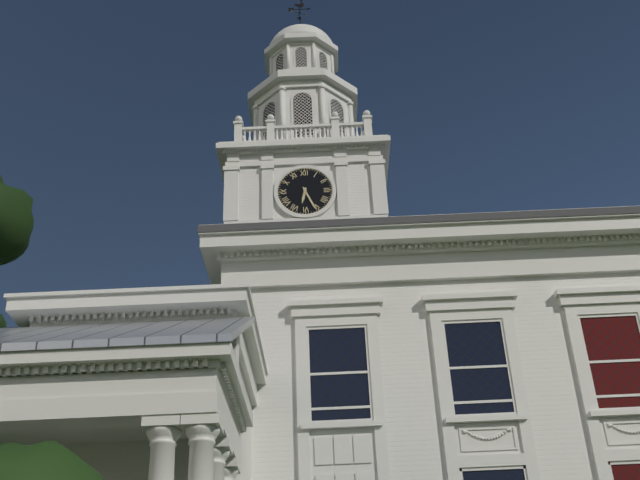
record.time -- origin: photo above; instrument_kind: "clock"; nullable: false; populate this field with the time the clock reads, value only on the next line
6:26
